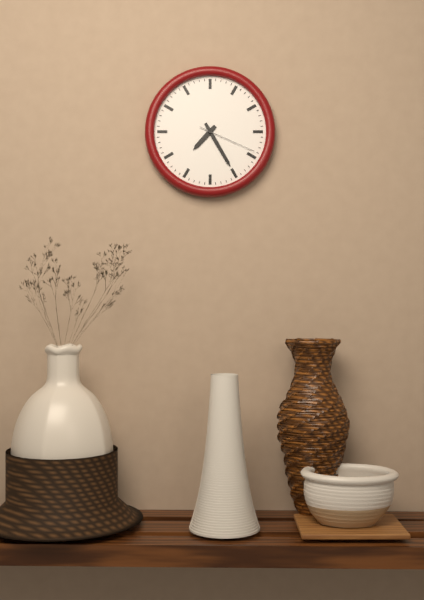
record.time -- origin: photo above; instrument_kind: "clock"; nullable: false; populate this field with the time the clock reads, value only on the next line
7:25:19
